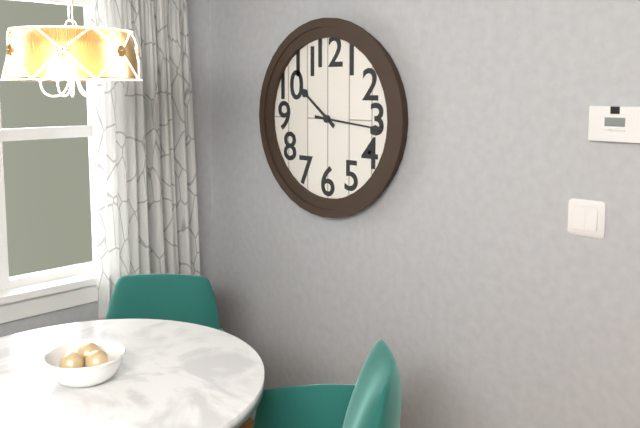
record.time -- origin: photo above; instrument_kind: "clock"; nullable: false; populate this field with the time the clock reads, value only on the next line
10:16
